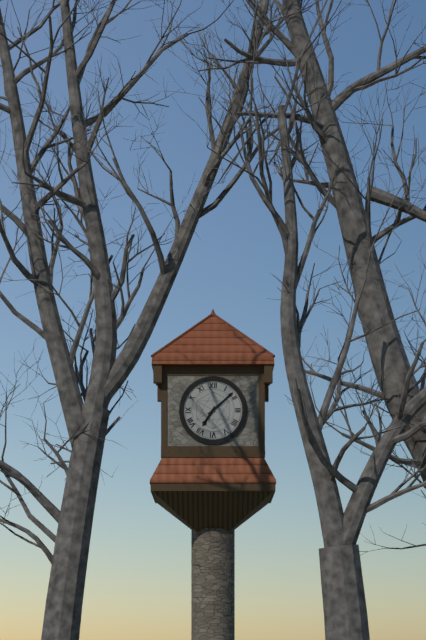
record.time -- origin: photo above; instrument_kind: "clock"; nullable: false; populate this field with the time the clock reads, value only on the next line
7:08
